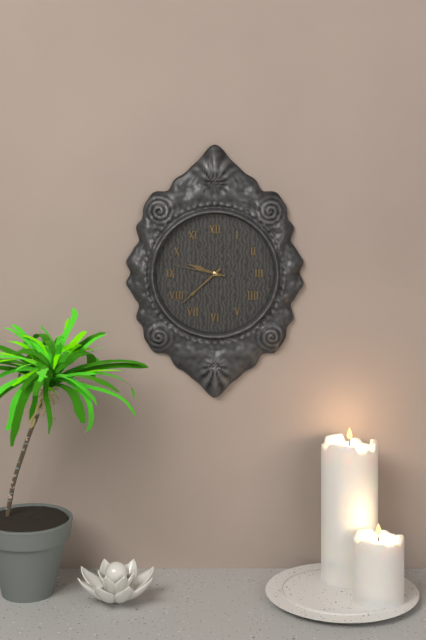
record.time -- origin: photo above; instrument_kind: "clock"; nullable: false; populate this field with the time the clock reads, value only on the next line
9:38:47
